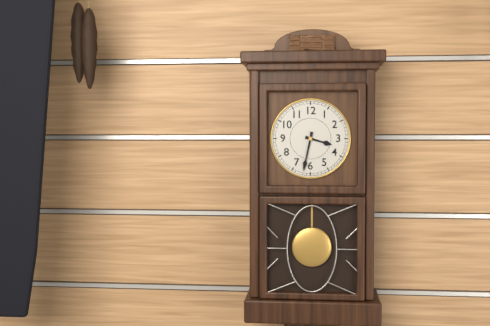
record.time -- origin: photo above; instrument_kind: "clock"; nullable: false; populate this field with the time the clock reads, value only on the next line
3:32
